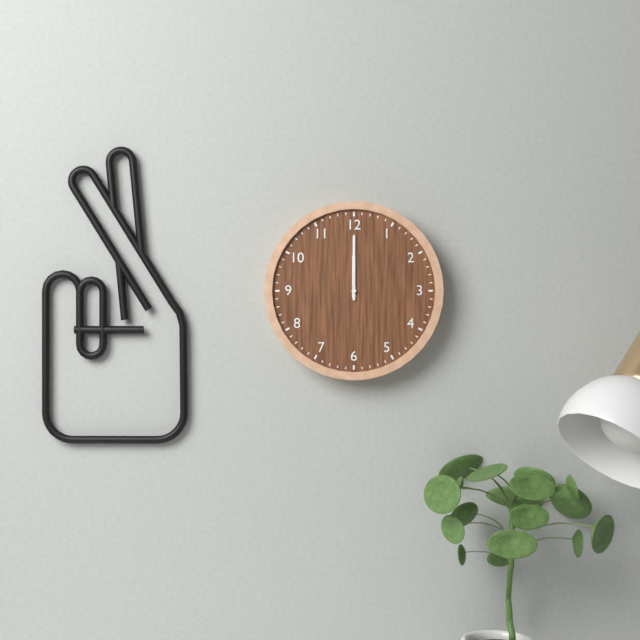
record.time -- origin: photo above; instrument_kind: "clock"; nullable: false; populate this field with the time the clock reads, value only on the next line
12:00
